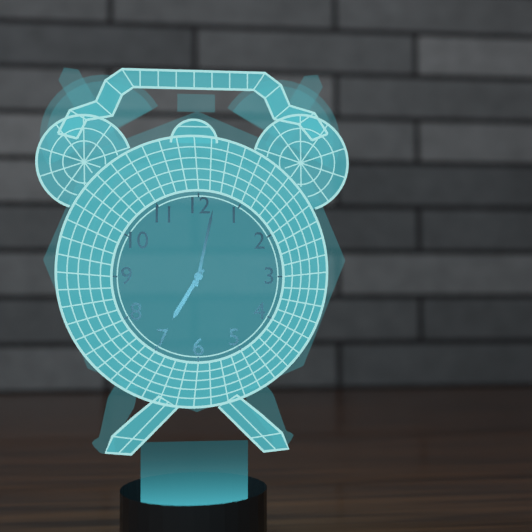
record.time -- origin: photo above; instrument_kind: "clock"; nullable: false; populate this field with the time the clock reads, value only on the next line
7:02
